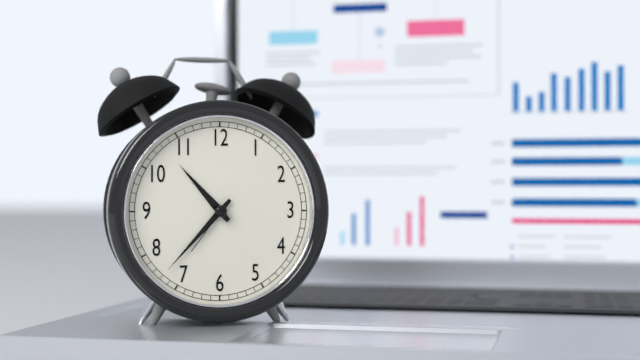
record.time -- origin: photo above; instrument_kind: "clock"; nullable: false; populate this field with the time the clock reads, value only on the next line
10:37:36
